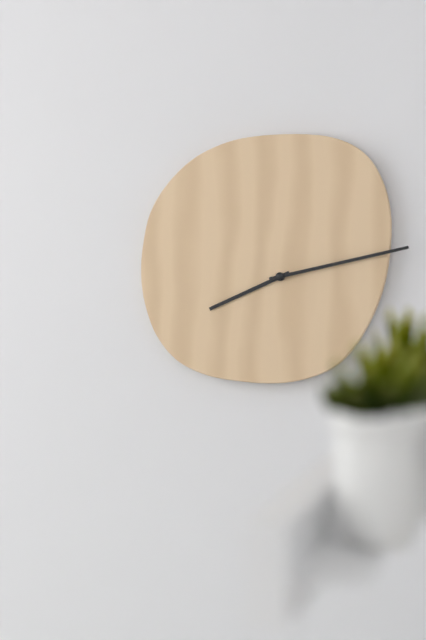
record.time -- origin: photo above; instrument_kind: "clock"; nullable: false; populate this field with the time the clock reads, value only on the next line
8:13
